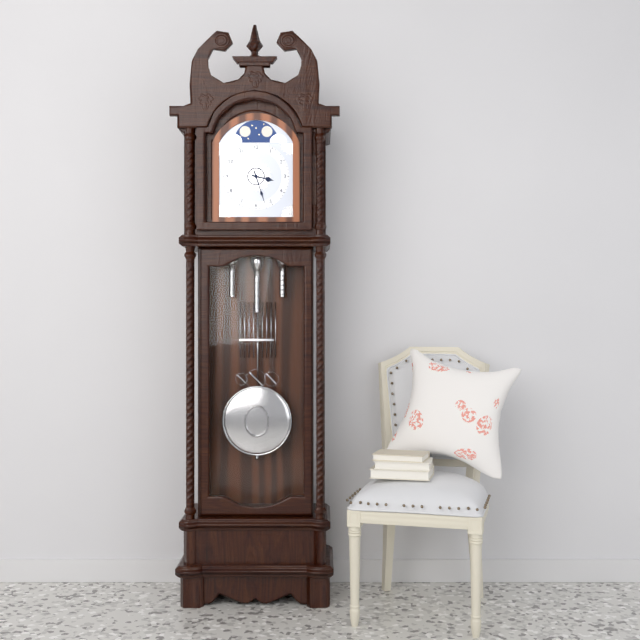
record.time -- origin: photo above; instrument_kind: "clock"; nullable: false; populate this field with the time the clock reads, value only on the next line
3:27
